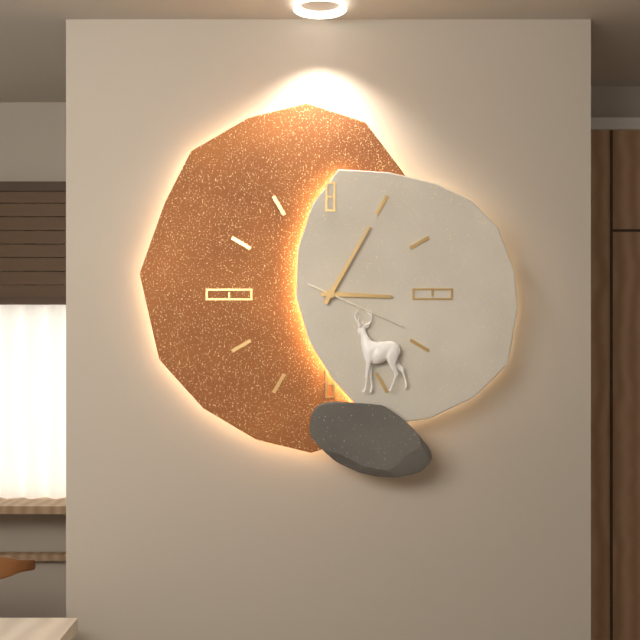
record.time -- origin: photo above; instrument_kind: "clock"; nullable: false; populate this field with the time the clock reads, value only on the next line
3:05:19
